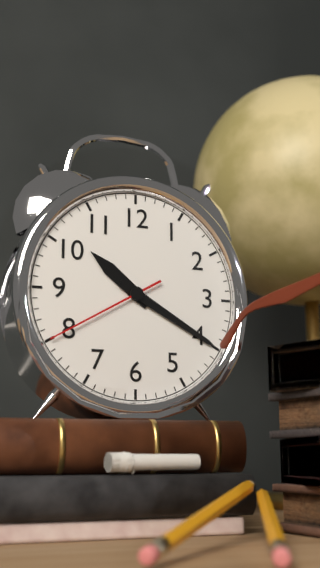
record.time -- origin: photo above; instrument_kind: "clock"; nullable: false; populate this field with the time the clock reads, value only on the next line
10:20:40
